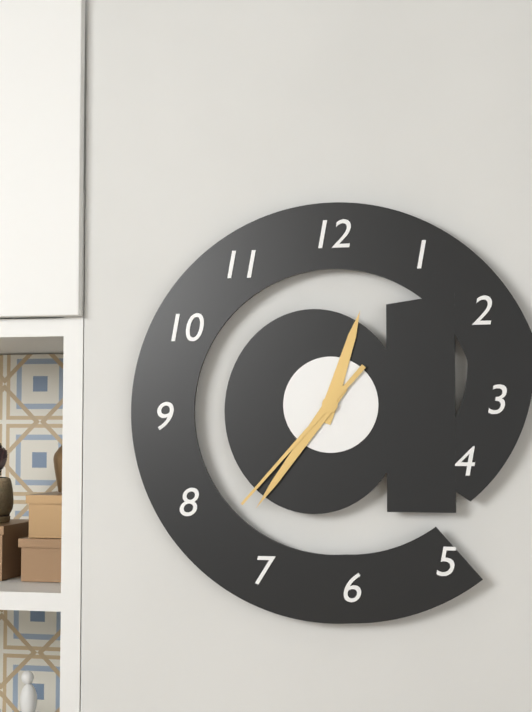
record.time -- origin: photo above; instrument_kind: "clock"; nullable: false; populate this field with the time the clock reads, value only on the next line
12:36:37
